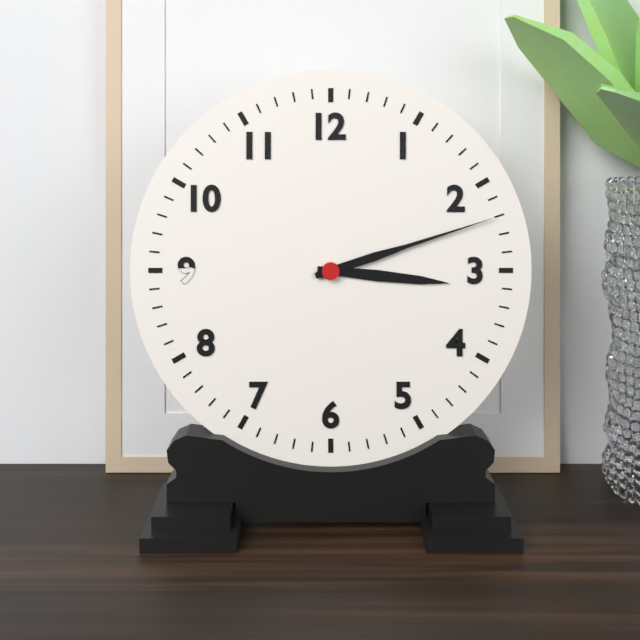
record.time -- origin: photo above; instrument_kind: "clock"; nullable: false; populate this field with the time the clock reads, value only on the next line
3:12
